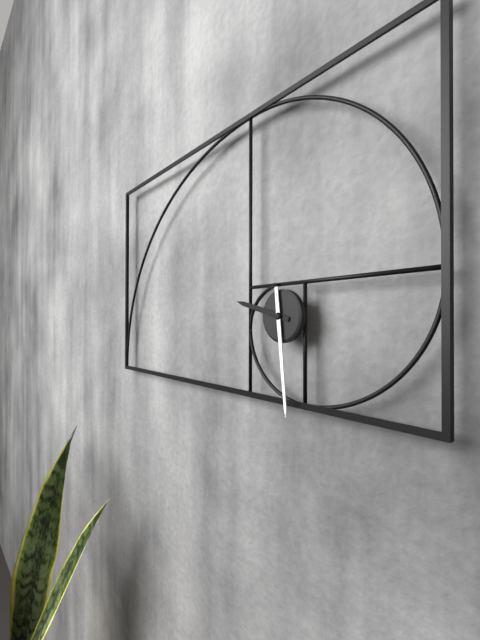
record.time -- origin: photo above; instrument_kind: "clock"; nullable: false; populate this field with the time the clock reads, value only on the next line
9:29
